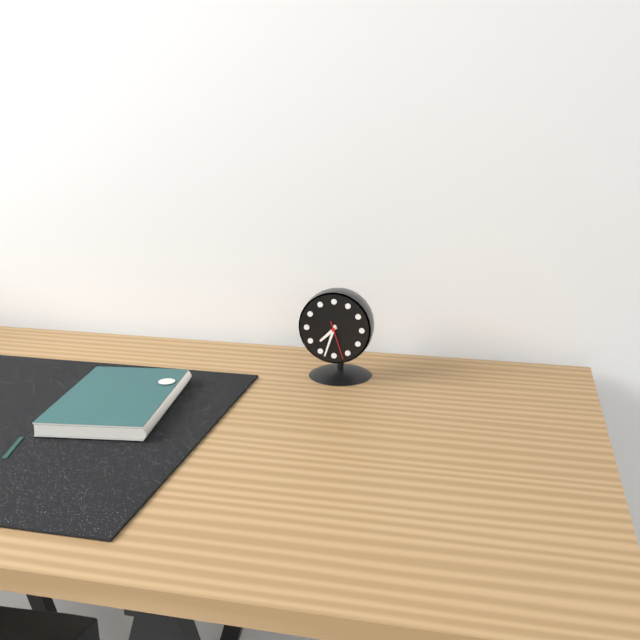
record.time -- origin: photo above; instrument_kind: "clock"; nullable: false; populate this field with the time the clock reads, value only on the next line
7:33
